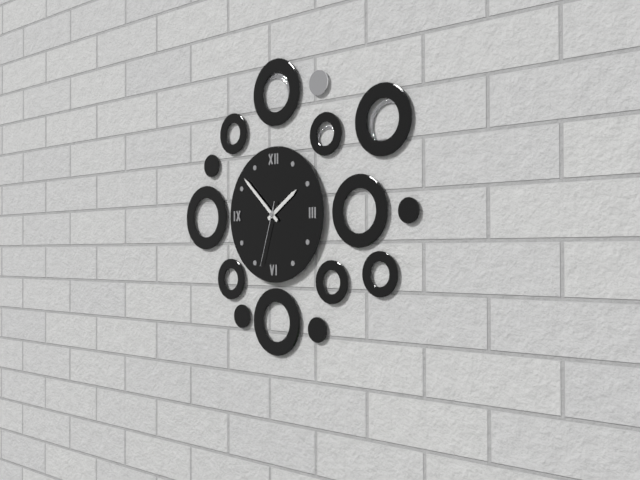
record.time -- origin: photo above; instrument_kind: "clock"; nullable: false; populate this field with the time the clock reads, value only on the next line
1:52:33
